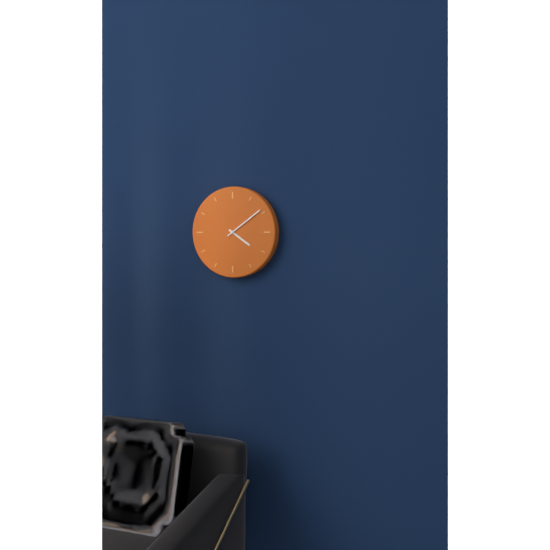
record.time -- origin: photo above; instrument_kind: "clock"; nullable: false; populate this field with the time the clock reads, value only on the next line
4:09
